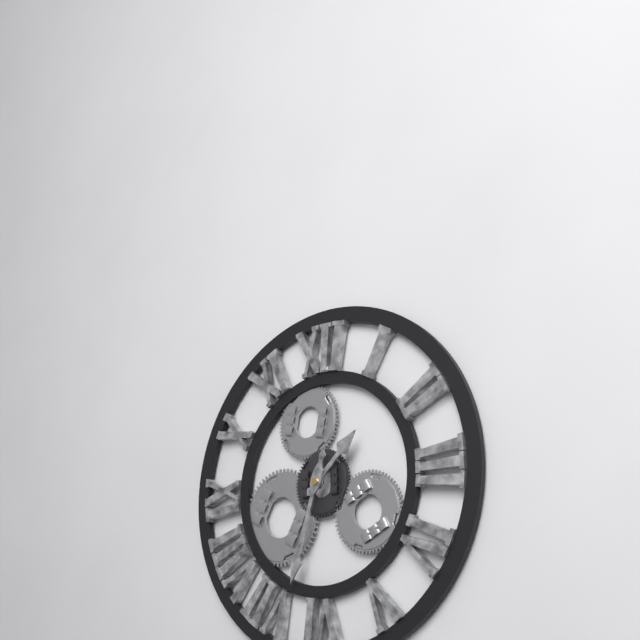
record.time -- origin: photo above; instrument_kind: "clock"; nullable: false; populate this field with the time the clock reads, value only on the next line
1:33
